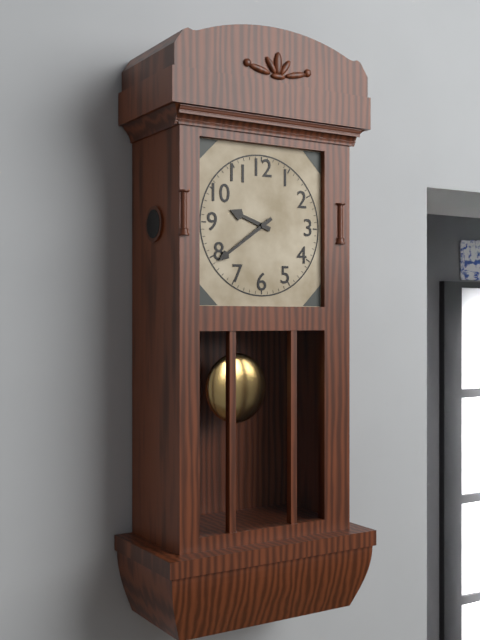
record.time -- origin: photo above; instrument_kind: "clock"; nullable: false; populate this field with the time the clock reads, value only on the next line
9:39
